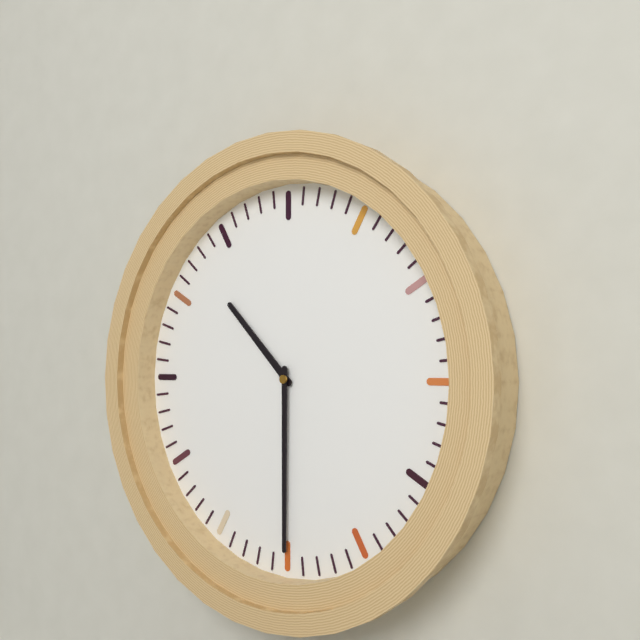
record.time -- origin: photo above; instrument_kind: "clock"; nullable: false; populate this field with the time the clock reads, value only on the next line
10:30
